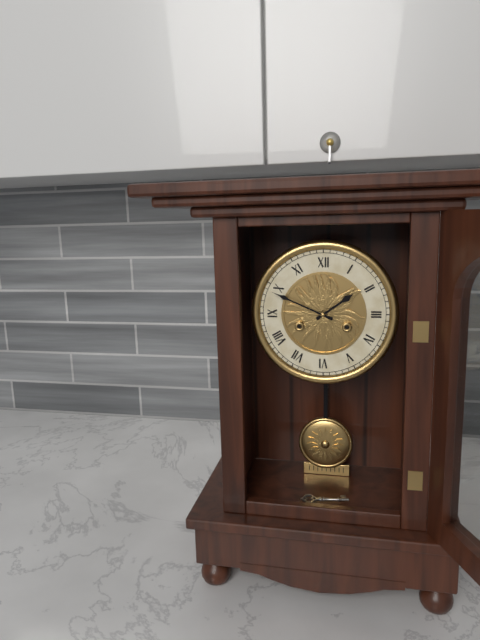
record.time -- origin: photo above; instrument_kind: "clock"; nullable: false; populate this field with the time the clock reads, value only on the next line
1:49
